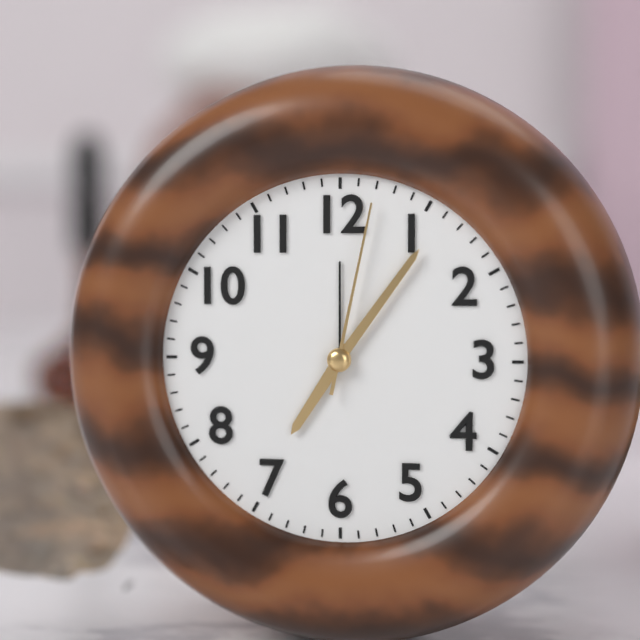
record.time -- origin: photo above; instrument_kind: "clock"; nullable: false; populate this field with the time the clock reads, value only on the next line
7:06:02
